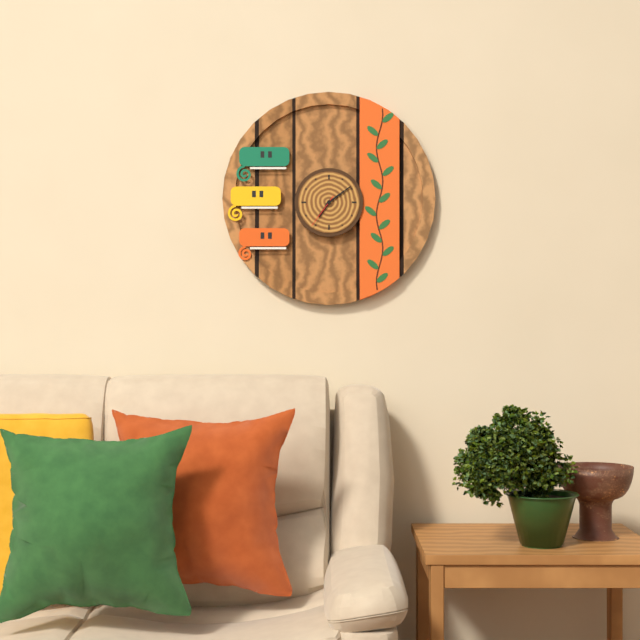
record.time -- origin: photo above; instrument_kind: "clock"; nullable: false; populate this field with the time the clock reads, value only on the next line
7:09
